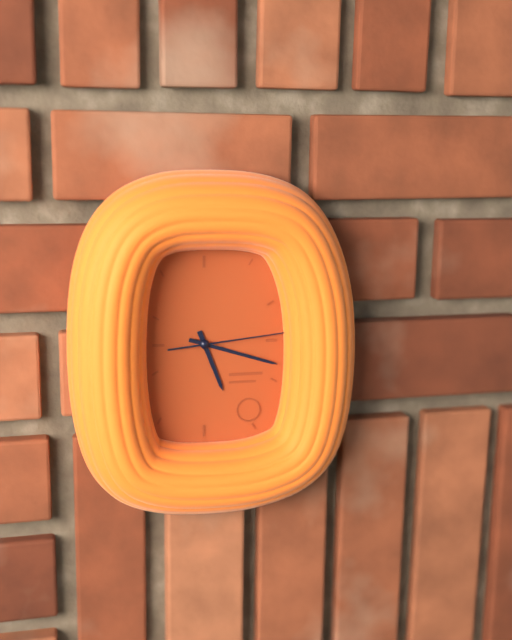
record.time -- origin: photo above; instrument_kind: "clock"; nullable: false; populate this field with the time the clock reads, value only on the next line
5:18:14
